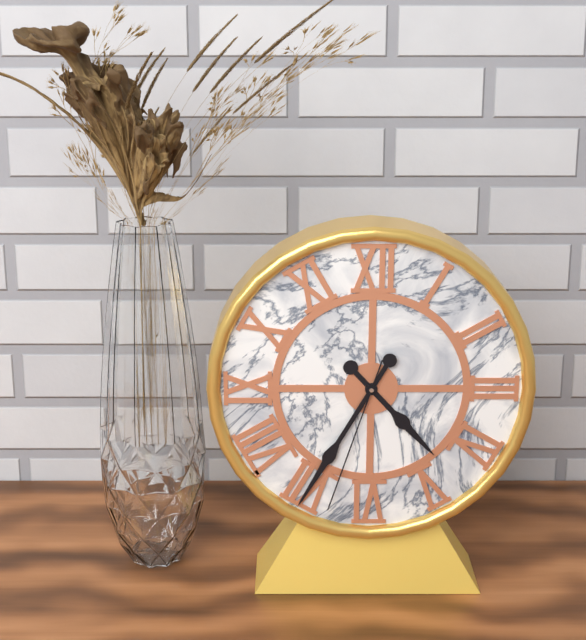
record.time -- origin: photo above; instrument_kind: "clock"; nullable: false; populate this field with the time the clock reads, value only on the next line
4:35:33
